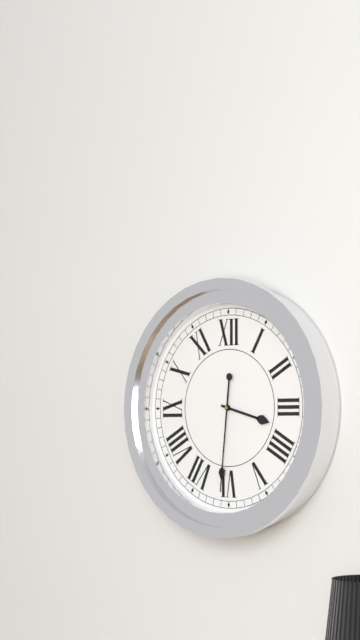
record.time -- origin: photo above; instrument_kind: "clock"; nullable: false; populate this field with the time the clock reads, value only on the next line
3:31
